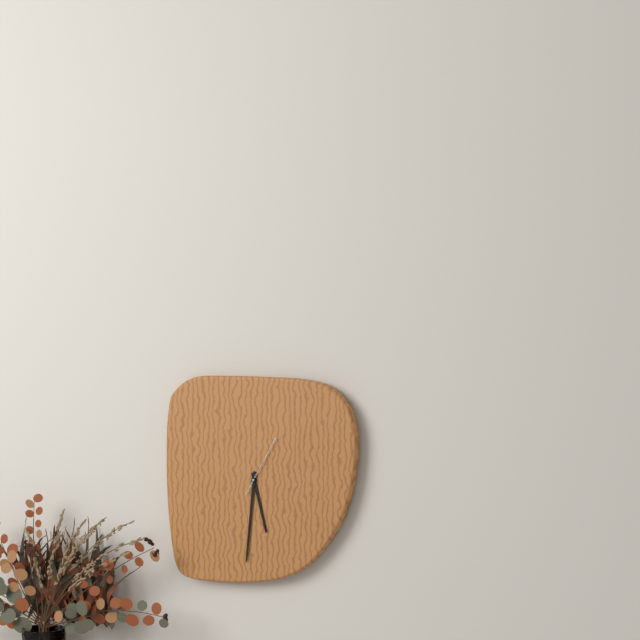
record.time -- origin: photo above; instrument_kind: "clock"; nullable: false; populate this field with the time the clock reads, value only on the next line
5:31:05
